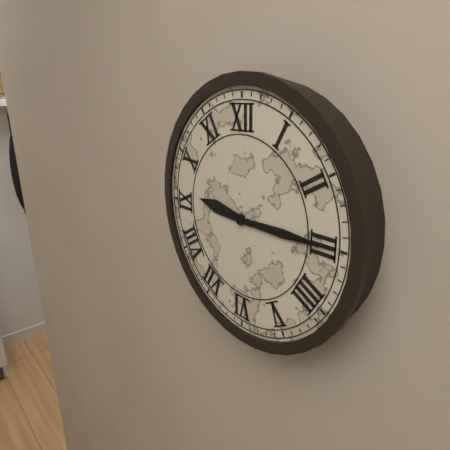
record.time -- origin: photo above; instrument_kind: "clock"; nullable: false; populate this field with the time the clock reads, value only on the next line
9:15
